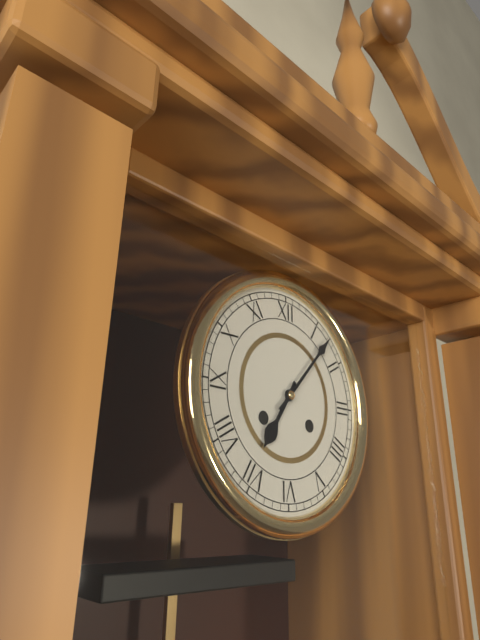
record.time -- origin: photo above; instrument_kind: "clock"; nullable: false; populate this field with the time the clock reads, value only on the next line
7:07
